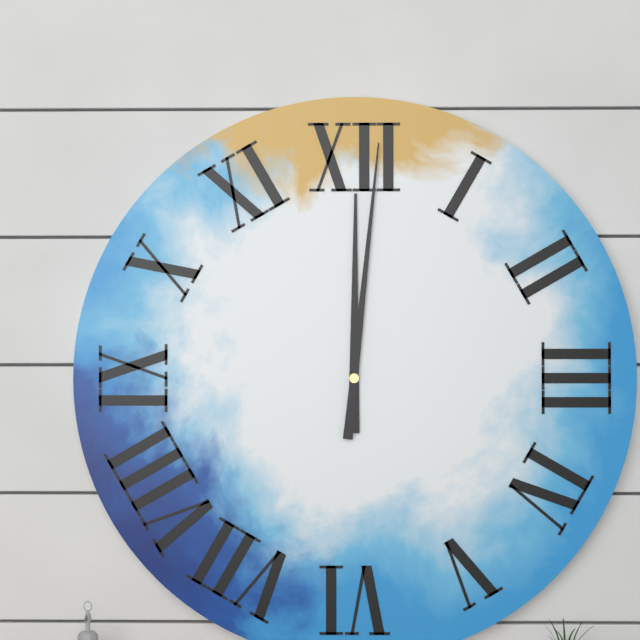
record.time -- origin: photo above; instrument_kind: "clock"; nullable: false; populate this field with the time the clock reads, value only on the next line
12:01
